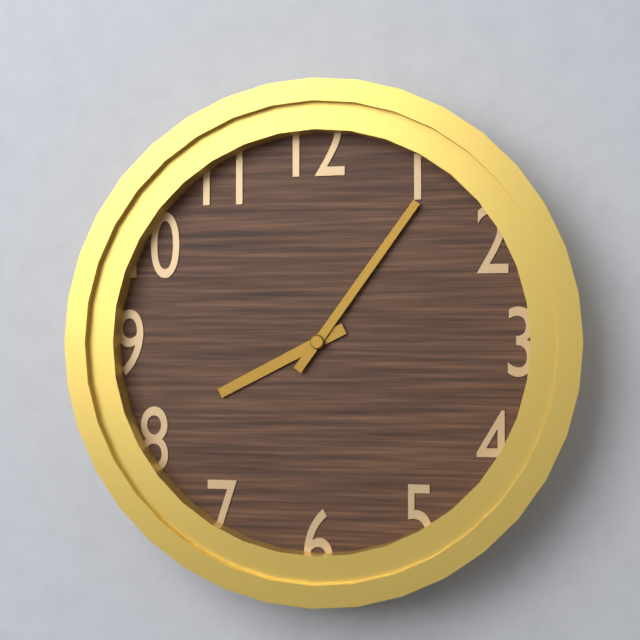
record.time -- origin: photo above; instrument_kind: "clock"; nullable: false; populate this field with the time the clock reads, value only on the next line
8:06
